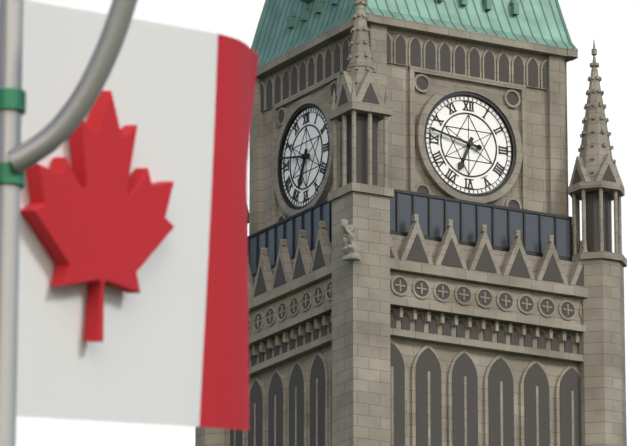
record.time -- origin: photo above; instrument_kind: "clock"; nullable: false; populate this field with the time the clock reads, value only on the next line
6:47
